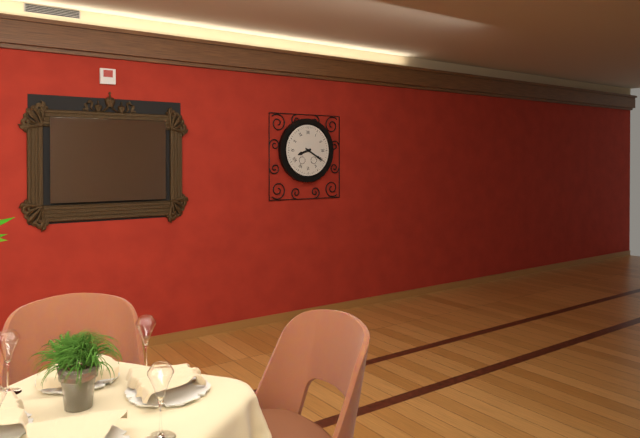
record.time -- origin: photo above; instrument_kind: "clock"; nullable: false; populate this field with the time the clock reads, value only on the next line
8:20
